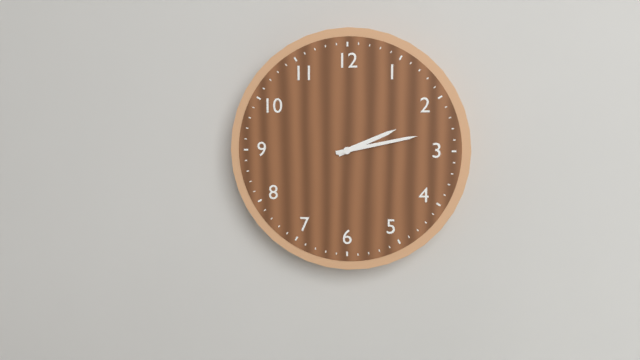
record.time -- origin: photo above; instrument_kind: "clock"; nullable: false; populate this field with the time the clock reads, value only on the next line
2:13
